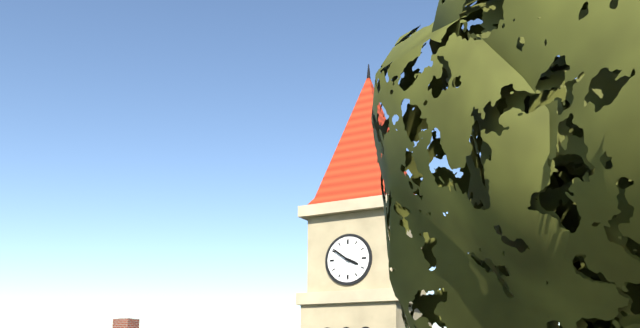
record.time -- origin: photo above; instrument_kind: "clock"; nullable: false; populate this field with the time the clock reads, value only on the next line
3:51
